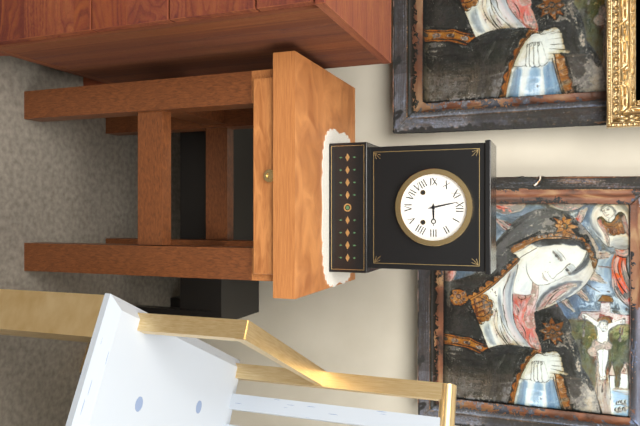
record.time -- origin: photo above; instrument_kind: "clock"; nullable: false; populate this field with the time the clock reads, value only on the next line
2:58
